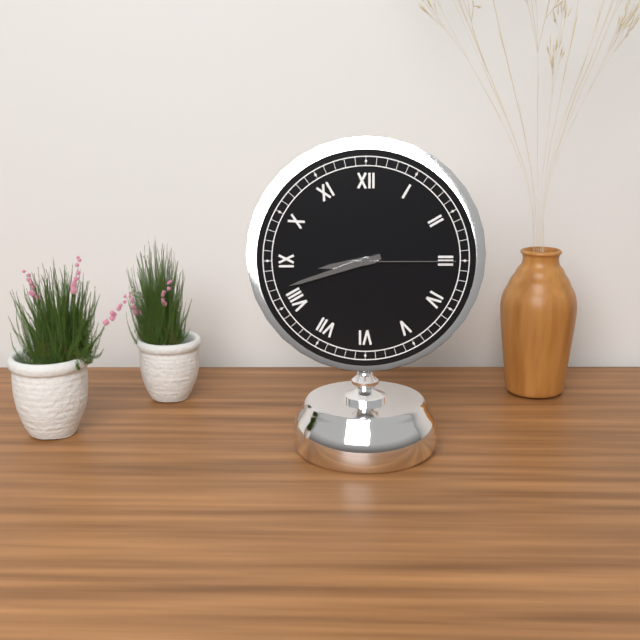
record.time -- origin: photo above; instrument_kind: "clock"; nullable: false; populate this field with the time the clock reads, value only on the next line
8:42:15
